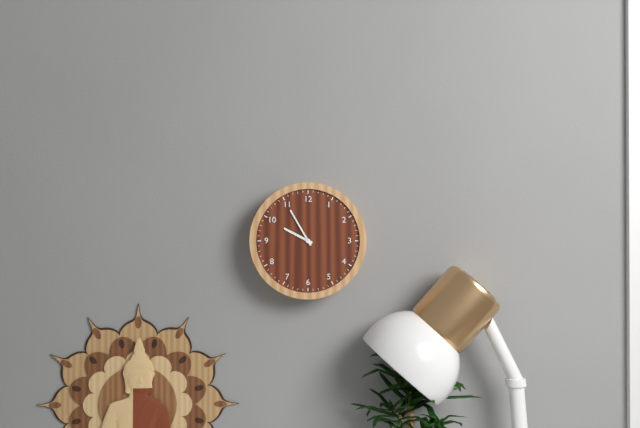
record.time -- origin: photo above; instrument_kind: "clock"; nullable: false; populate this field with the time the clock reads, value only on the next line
9:55
